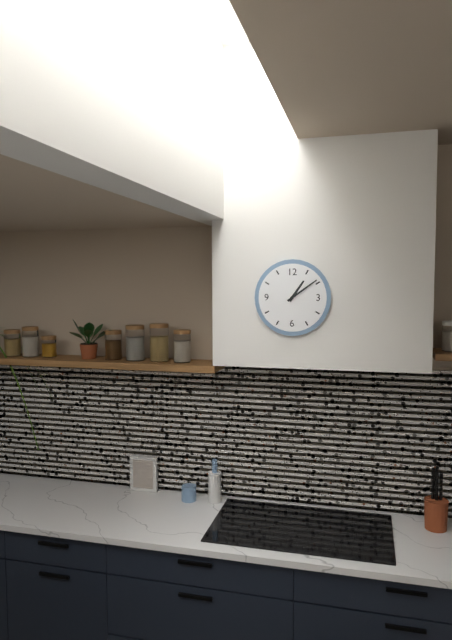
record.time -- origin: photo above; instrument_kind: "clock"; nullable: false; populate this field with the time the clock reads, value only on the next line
1:09
